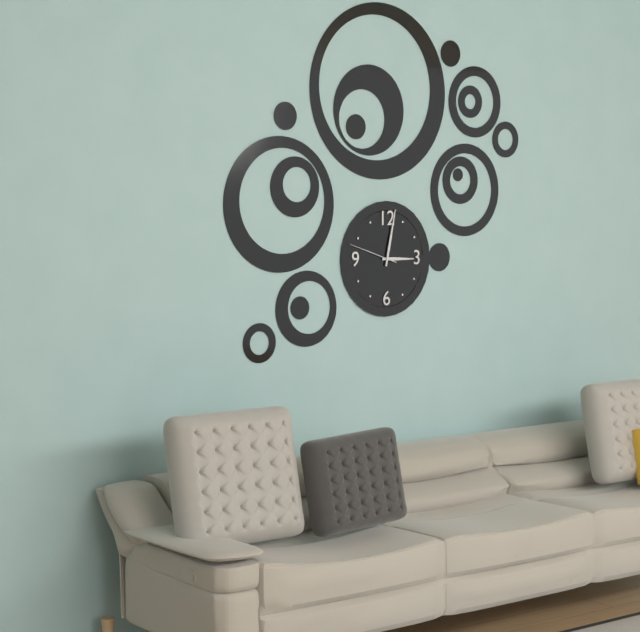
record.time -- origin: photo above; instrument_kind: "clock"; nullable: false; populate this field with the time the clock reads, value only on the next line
3:02:48
